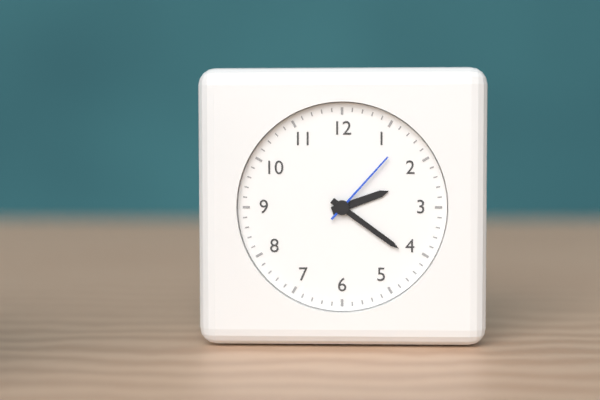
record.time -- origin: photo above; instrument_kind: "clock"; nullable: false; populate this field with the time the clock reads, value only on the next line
2:21:07
